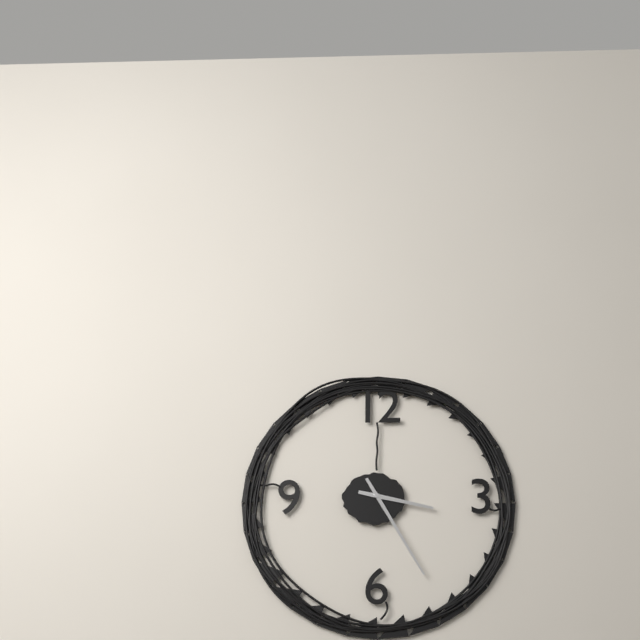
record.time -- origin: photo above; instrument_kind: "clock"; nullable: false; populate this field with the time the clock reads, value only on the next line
3:25
